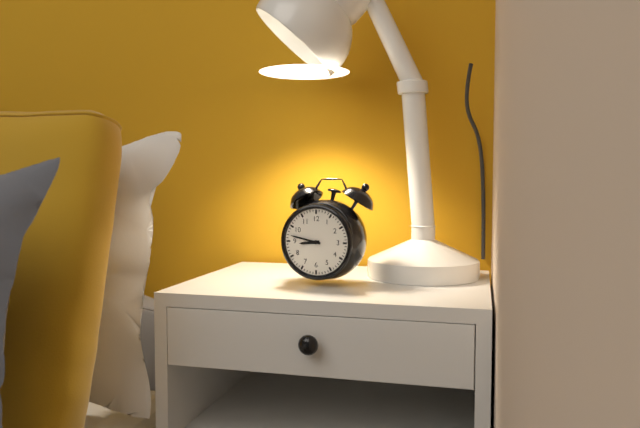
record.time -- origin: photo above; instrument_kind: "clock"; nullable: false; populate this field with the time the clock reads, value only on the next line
8:47
